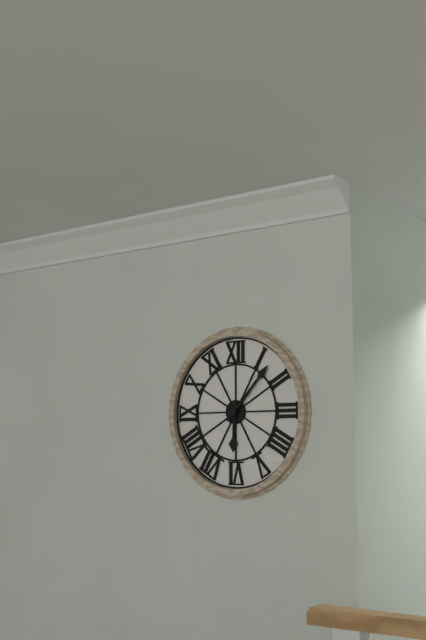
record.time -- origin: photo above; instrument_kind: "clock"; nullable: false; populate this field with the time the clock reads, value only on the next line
6:07
